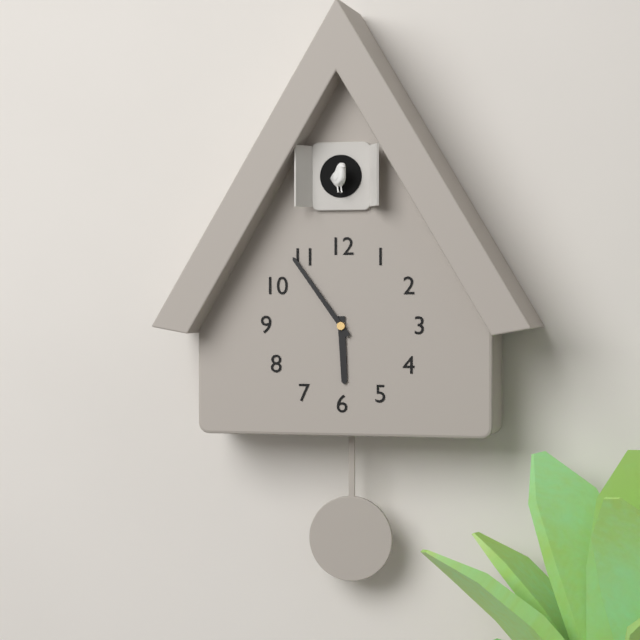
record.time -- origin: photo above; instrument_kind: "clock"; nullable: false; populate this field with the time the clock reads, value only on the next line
5:54
